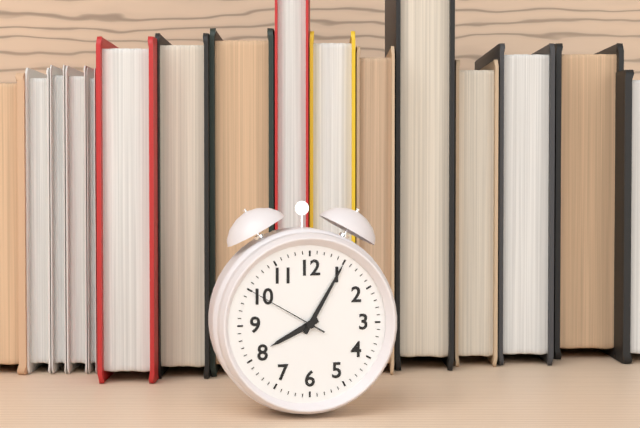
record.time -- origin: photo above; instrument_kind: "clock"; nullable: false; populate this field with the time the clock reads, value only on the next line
8:05:50
